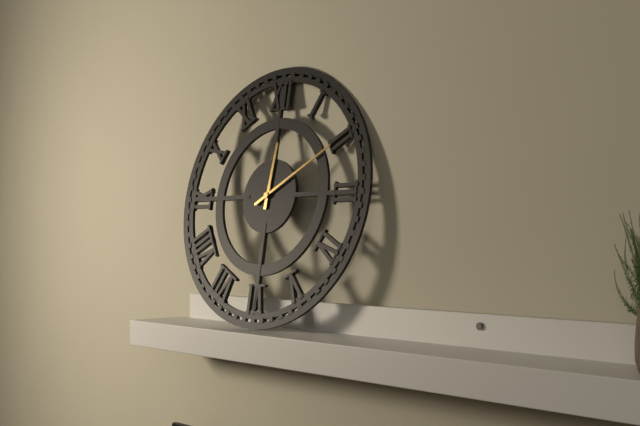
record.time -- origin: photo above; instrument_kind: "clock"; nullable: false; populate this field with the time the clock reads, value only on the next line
12:10
